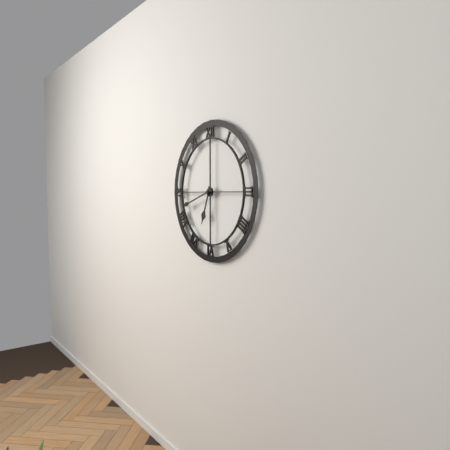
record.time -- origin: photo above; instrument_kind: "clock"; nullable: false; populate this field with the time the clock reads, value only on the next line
6:42
